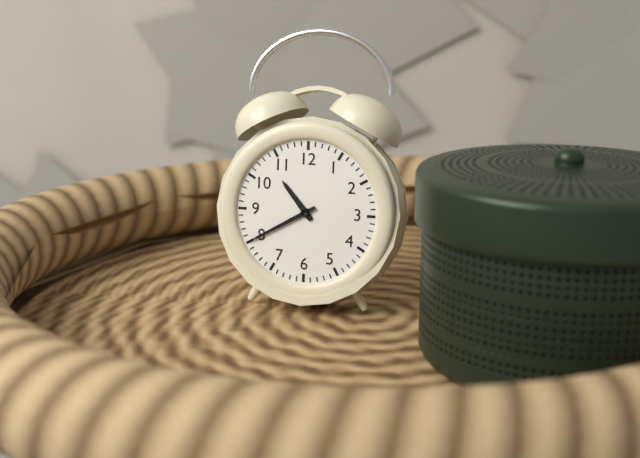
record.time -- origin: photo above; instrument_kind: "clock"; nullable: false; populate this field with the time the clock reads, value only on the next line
10:40
